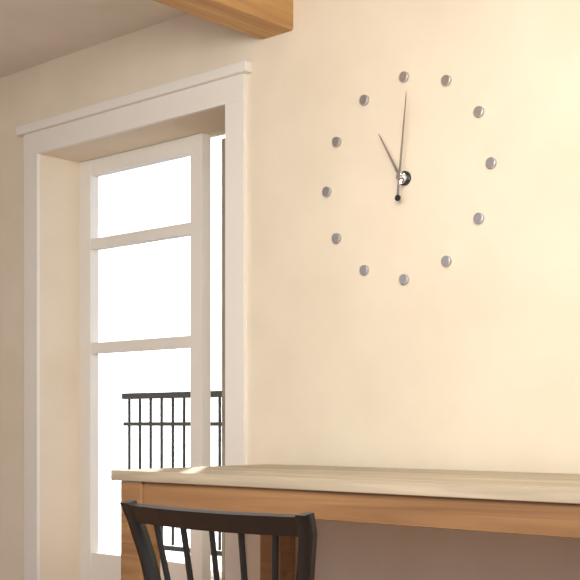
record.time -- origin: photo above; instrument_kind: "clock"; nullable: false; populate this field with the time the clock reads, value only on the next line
11:01
